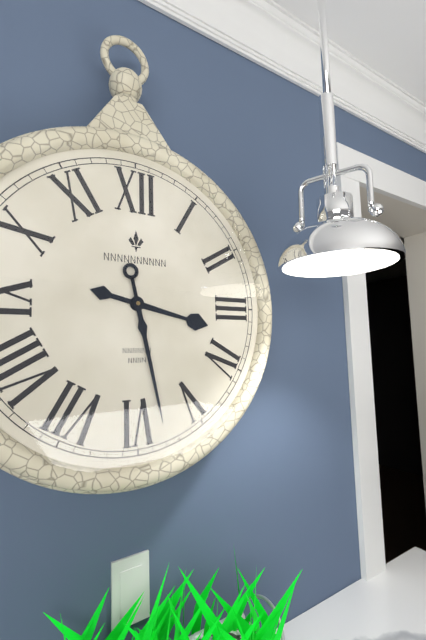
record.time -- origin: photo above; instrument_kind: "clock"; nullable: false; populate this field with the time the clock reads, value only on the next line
3:28
